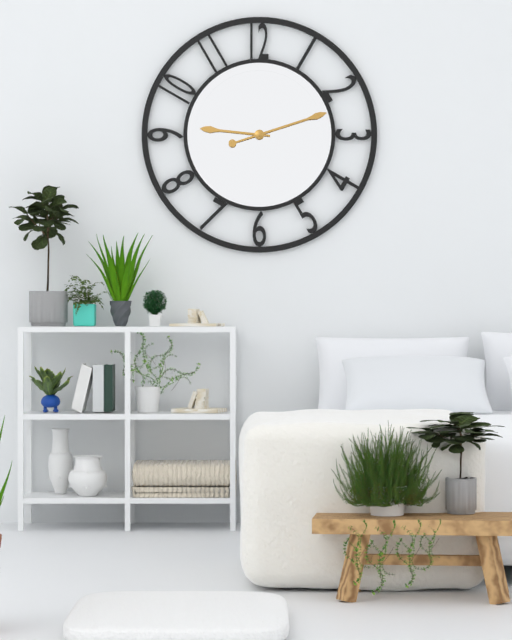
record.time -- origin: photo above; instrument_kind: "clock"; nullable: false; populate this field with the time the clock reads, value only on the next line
9:12
